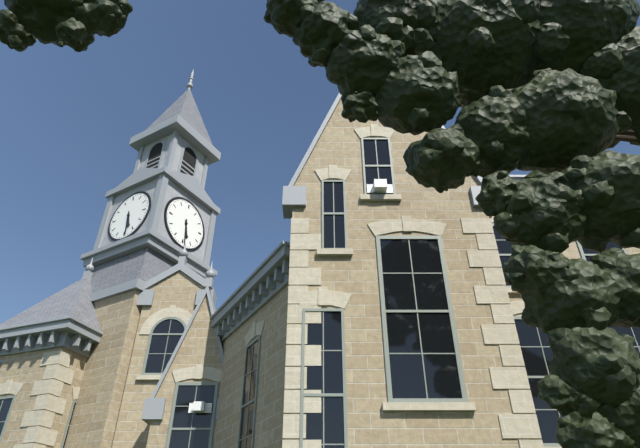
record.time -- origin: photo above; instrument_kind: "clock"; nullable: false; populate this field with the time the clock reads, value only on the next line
5:29
